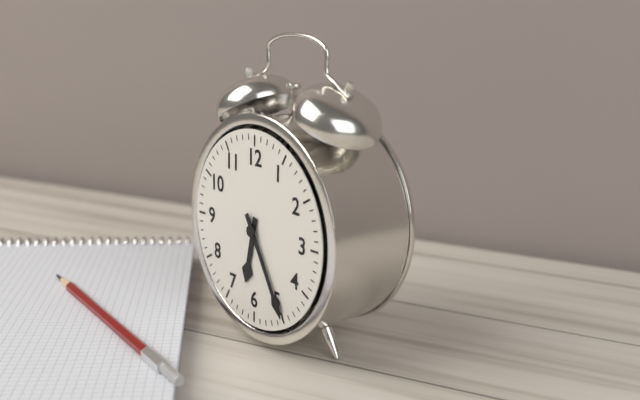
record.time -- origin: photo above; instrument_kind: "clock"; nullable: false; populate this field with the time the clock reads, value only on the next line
6:25
